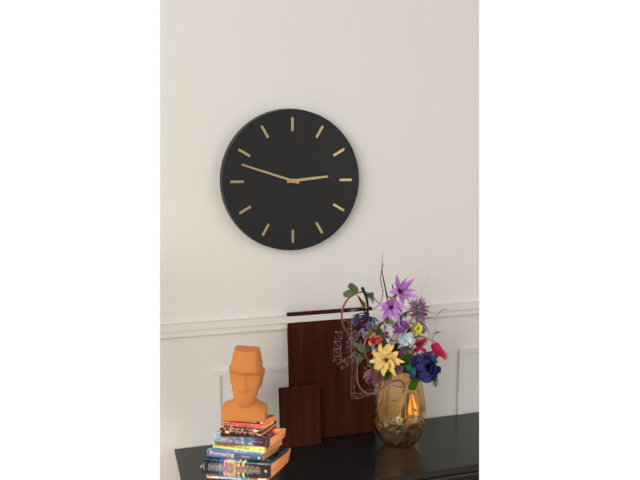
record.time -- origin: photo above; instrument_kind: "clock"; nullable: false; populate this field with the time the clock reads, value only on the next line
2:48
